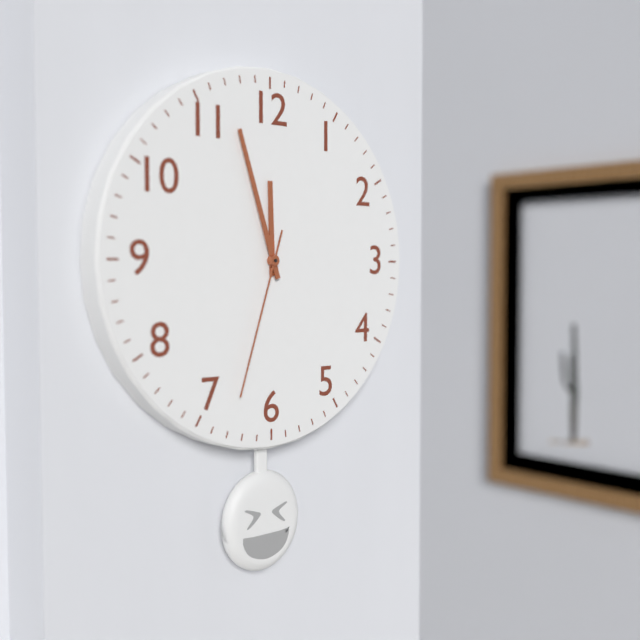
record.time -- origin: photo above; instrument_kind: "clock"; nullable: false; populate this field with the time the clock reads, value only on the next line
11:57:33
